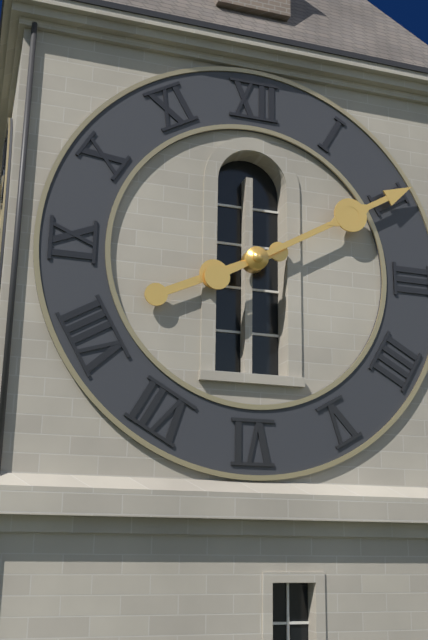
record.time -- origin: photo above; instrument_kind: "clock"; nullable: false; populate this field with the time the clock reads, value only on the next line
8:10
